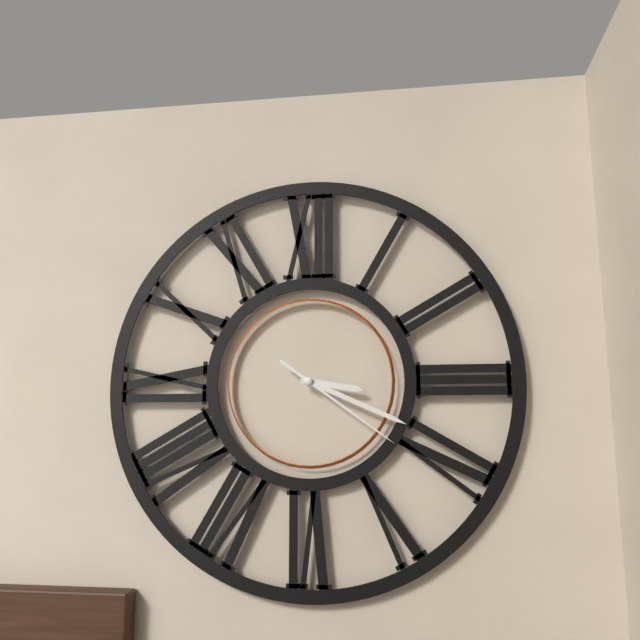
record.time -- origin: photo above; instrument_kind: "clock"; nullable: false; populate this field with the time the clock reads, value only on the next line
3:19:21
